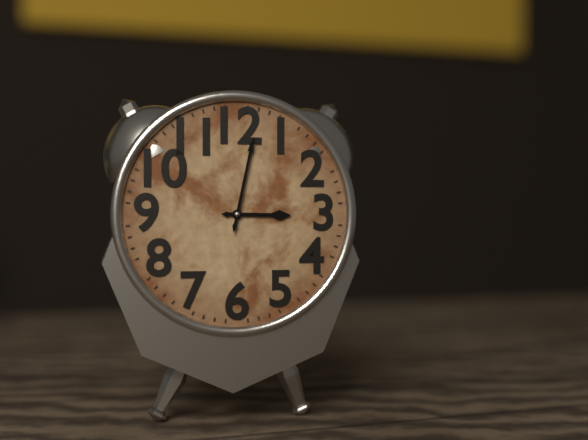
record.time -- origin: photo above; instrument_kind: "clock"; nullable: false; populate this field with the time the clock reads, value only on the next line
3:02
